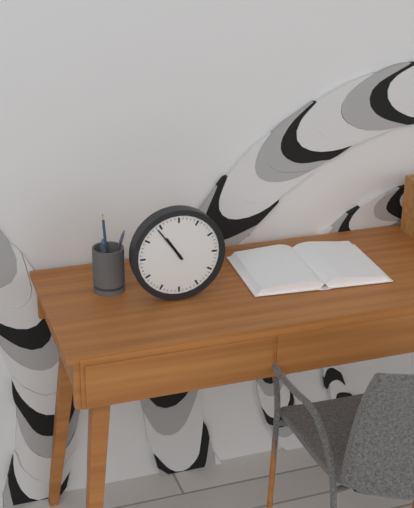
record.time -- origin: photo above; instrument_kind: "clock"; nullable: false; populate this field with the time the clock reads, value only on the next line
10:54
